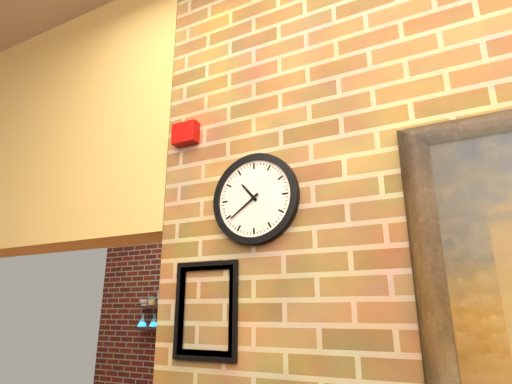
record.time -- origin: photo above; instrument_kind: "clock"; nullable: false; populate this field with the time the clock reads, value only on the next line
10:39
